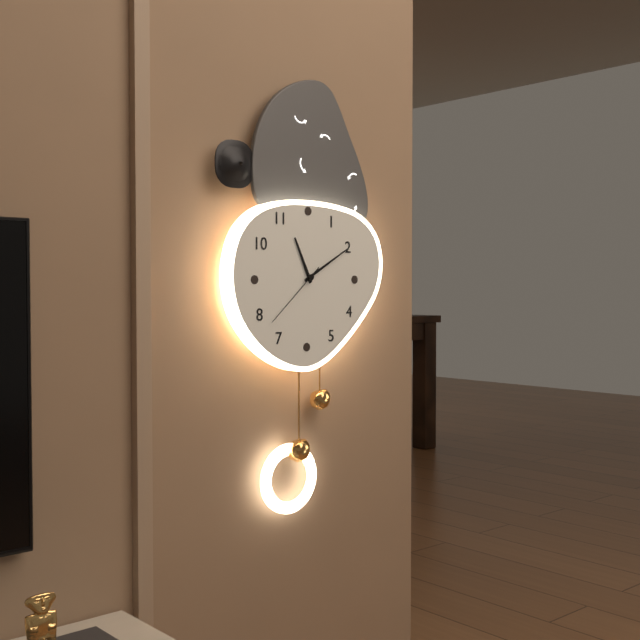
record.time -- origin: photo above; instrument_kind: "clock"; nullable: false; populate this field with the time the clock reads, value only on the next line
11:10:38
